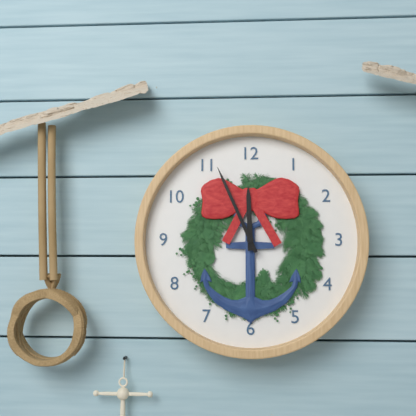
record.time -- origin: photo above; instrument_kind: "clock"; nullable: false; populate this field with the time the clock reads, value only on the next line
11:56
